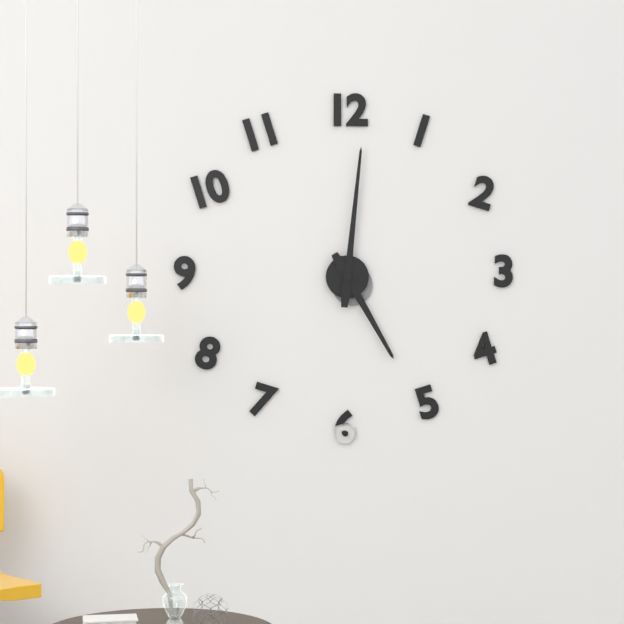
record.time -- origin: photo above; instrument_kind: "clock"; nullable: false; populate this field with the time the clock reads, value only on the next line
5:01
